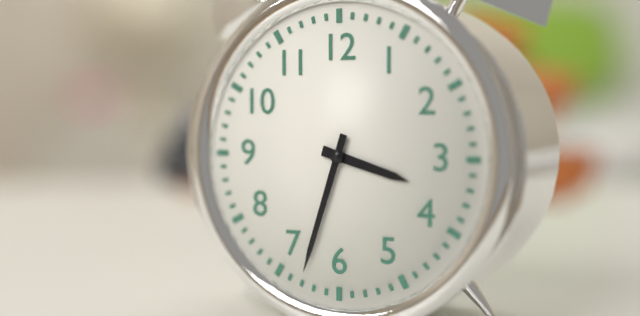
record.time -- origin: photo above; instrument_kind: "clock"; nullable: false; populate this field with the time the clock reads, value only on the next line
3:33
